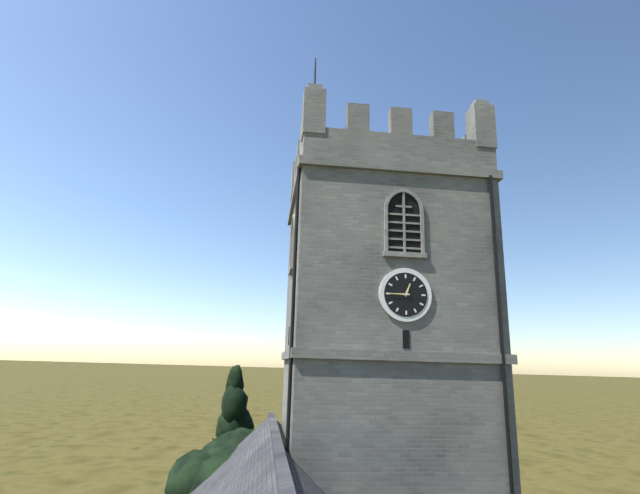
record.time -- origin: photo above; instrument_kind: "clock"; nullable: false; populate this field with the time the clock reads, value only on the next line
12:45
